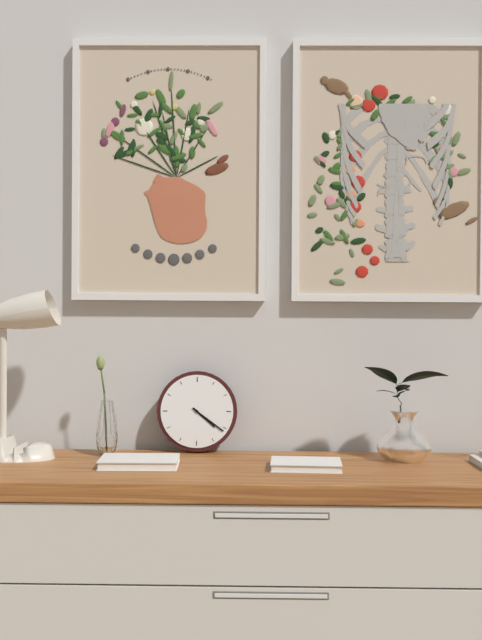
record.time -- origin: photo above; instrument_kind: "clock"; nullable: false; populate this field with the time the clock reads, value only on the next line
4:21
